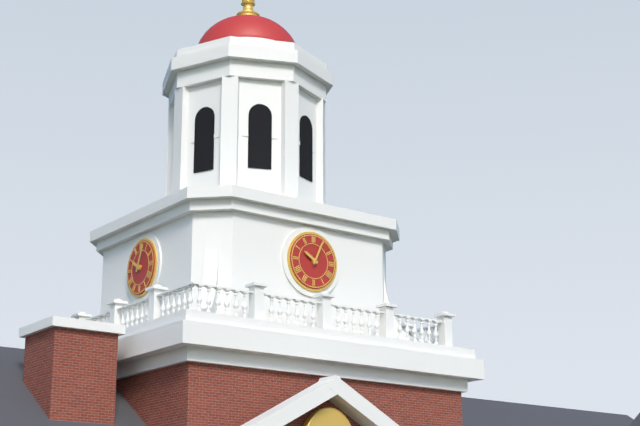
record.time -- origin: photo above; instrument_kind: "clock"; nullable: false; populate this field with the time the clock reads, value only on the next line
10:04
